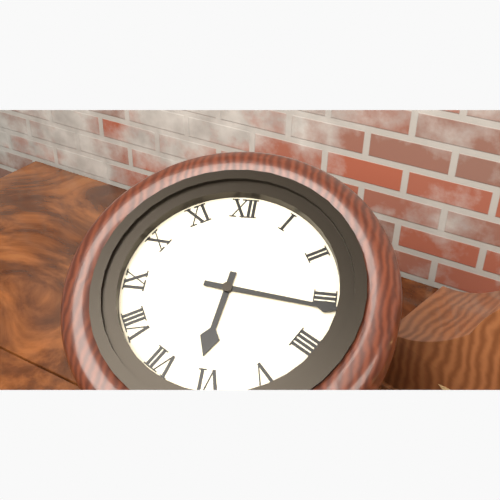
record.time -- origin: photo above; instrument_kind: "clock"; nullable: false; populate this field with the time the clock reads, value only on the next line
6:16
